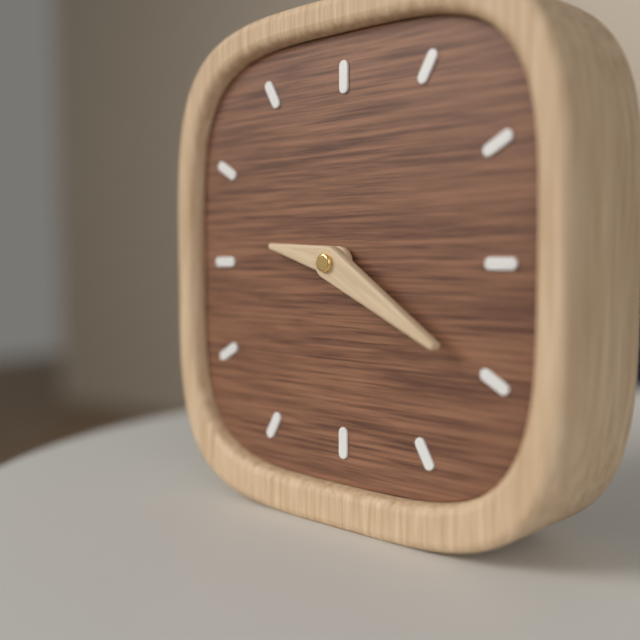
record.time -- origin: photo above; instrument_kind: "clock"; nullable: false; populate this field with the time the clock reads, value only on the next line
9:20
